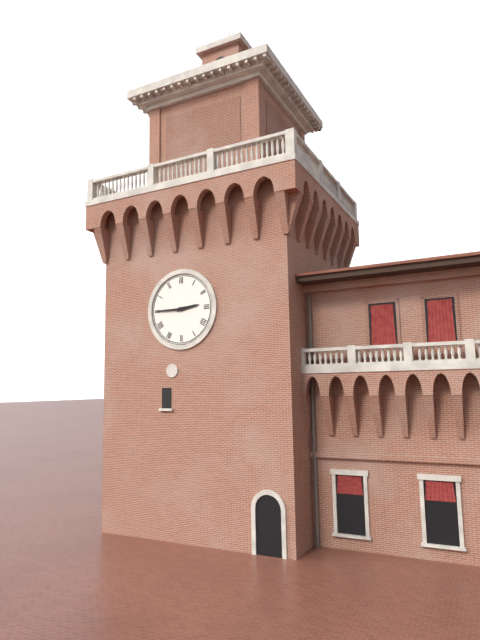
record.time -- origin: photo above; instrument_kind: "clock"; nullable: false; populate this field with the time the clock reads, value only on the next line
2:45
